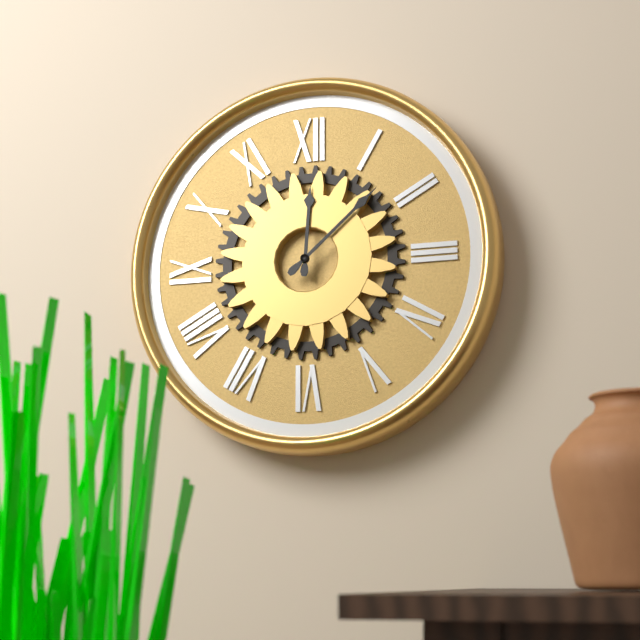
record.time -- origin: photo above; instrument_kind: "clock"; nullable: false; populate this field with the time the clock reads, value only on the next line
12:08
